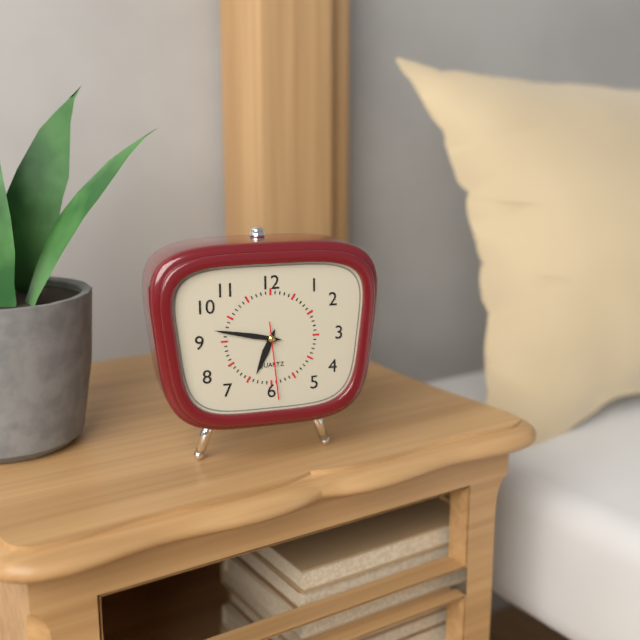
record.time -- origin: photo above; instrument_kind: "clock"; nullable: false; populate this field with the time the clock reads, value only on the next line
6:47:29
